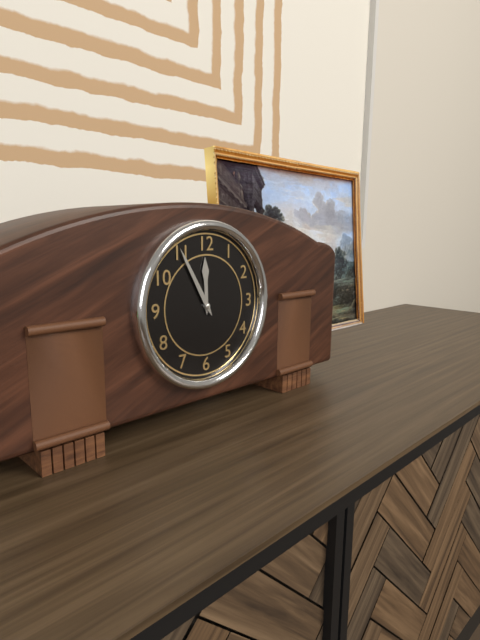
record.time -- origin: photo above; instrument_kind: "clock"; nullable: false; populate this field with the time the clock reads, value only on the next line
11:55
